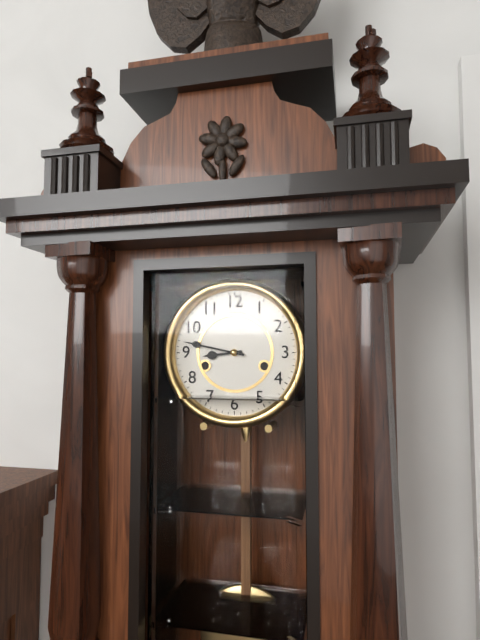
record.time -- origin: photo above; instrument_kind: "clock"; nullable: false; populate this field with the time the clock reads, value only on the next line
8:47
